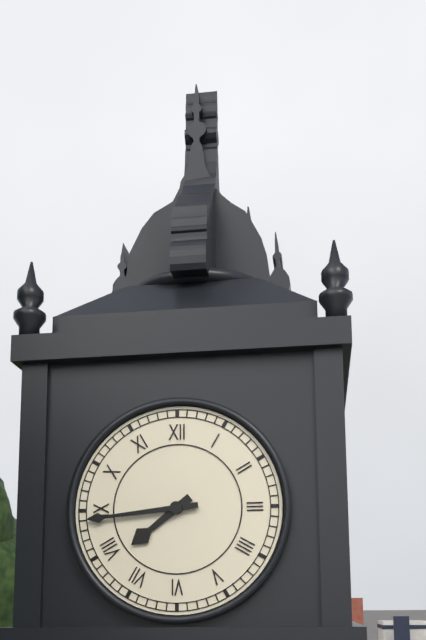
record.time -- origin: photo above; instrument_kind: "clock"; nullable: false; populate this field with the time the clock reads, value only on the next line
7:44
